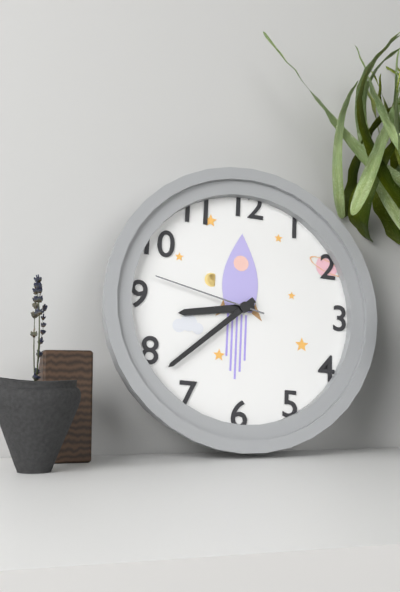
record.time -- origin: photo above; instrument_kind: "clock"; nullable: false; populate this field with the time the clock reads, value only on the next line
8:38:47
